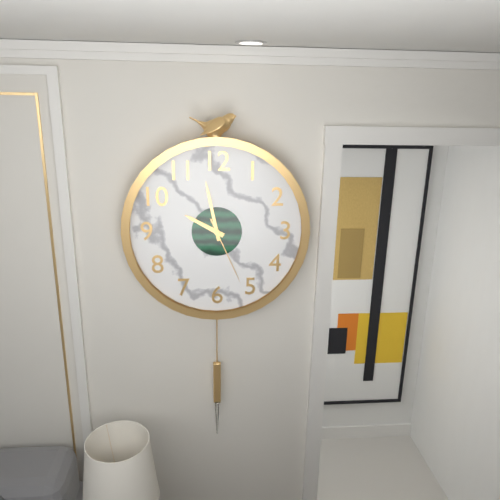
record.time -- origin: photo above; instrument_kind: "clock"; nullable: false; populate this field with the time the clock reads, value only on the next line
9:58:26
